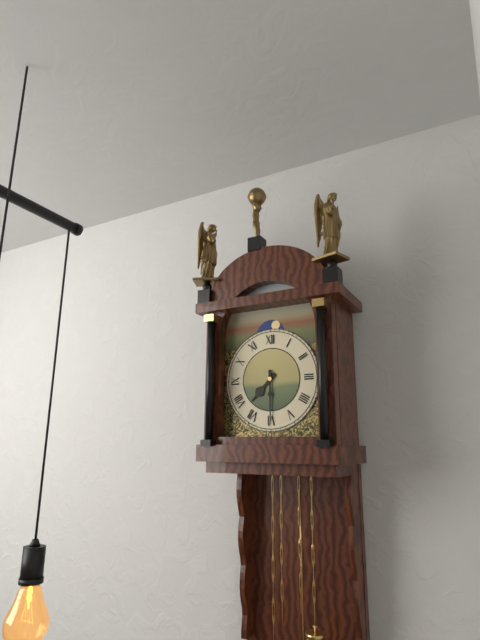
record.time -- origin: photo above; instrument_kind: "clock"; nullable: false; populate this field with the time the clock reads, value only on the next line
7:30
